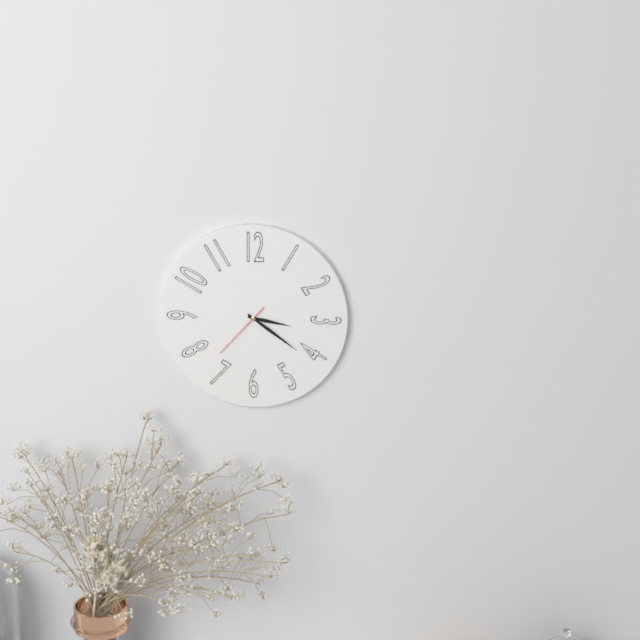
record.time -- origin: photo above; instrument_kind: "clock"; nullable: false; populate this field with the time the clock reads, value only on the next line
3:21:37
